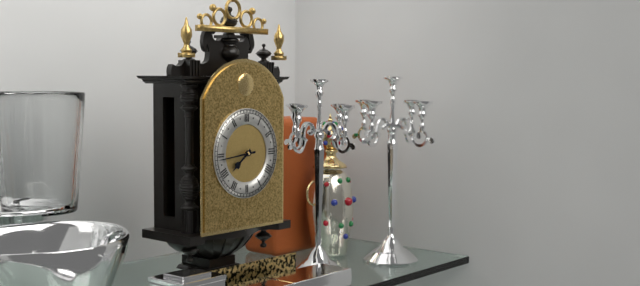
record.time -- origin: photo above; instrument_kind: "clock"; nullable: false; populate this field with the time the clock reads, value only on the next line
7:44
